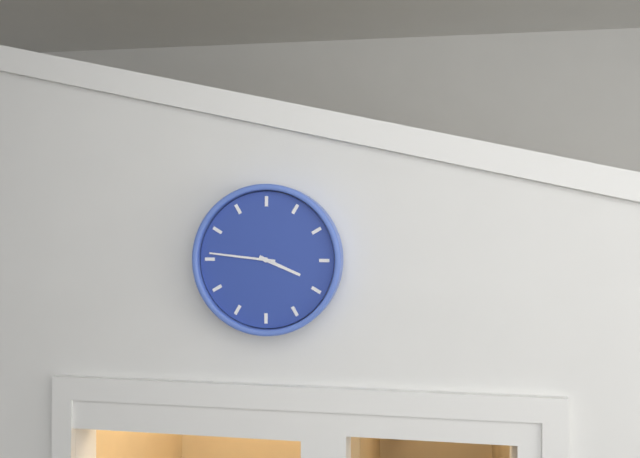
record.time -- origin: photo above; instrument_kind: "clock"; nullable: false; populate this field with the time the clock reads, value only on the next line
3:46
